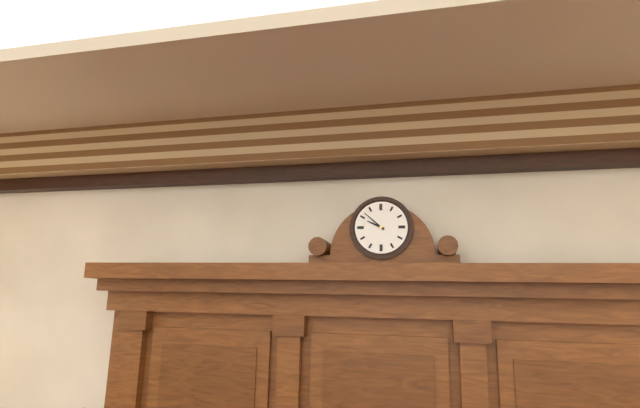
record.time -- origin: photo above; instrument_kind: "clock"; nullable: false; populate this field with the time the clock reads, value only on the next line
9:52
